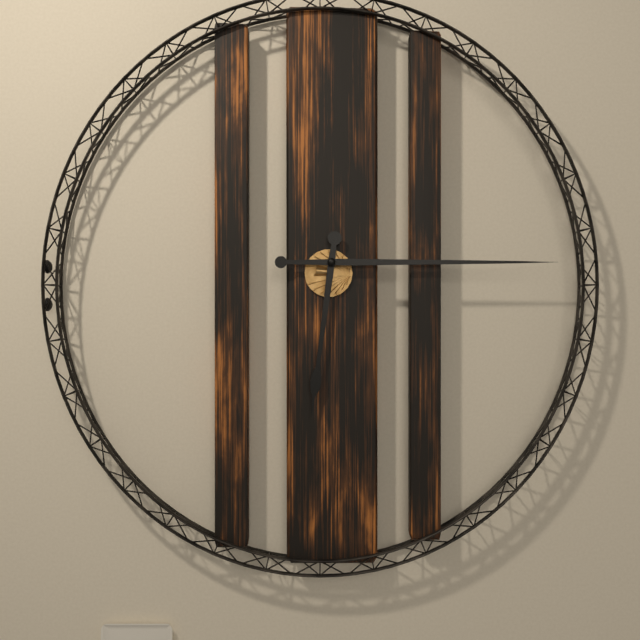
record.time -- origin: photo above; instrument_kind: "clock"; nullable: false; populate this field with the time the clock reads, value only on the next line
6:15
